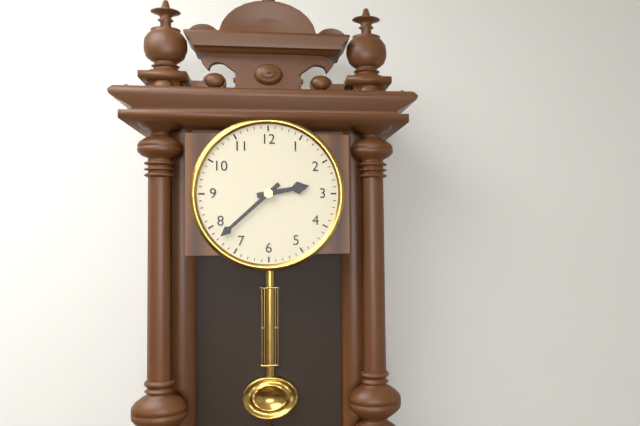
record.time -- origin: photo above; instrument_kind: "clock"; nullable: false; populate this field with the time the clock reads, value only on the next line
2:38
